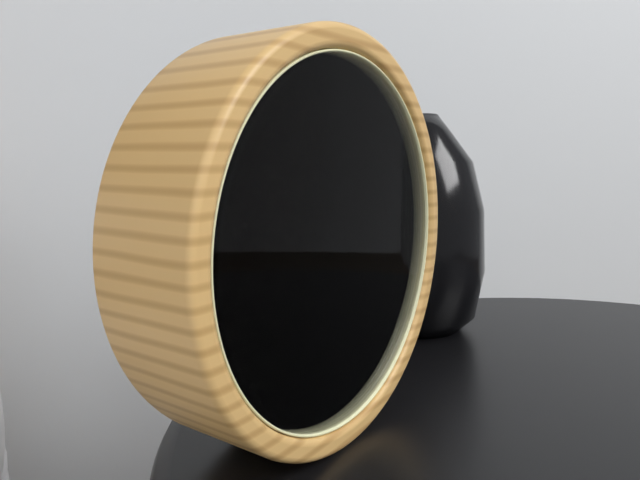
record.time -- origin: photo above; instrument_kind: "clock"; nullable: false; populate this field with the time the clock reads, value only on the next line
1:29:21
